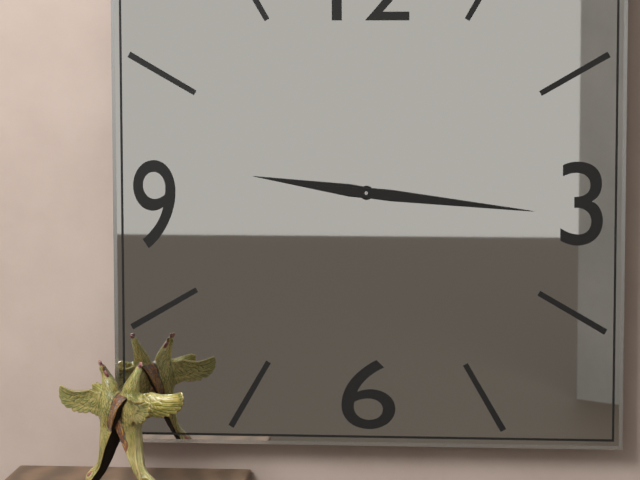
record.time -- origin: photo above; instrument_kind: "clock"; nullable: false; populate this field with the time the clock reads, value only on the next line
9:16
